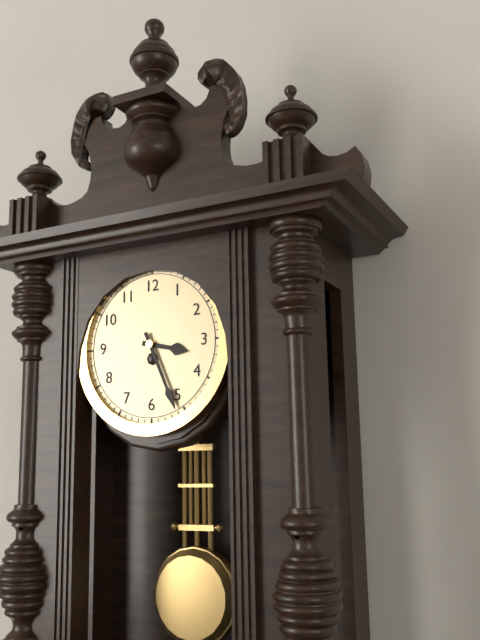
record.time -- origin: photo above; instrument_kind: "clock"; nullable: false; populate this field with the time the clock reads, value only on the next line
3:26
